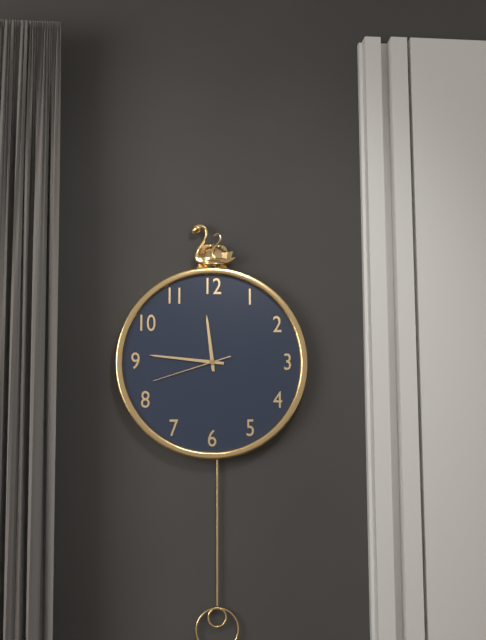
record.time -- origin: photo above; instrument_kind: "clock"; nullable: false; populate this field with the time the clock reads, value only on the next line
11:46:42
